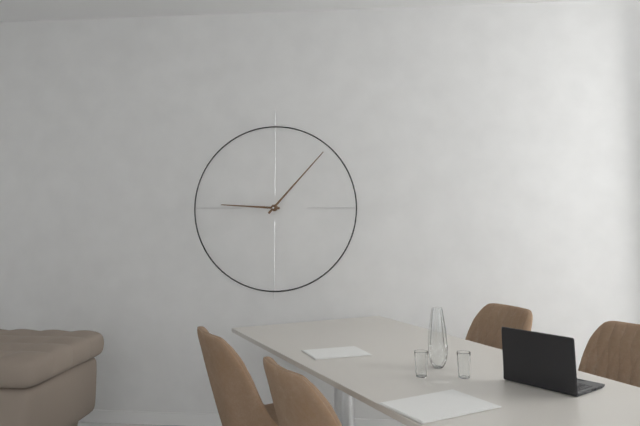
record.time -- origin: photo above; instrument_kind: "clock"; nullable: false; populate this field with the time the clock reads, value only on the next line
9:07
